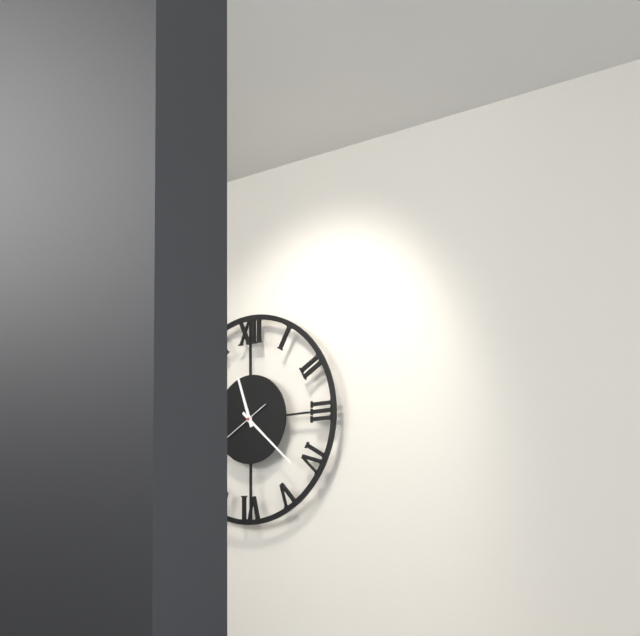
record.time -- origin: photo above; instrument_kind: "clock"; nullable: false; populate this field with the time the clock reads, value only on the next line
11:22
